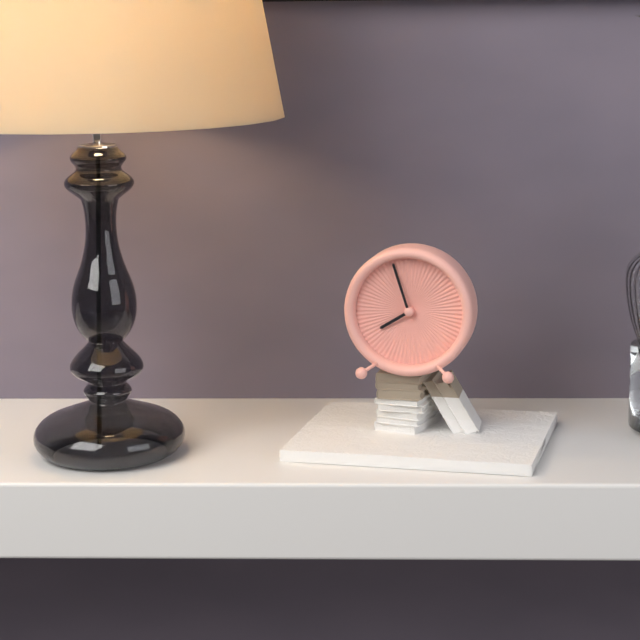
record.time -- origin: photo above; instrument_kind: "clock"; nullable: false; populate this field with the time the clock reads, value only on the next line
7:57
